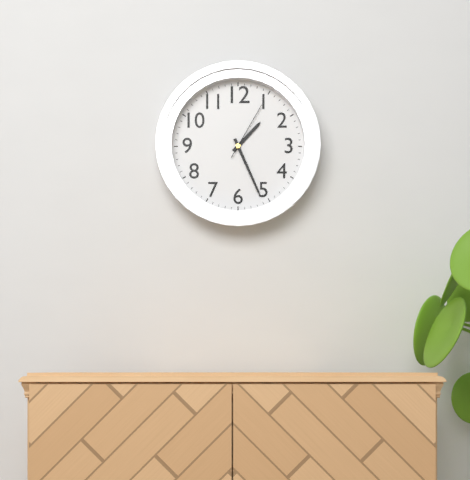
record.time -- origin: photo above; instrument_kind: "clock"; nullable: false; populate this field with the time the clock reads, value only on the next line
1:26:05
